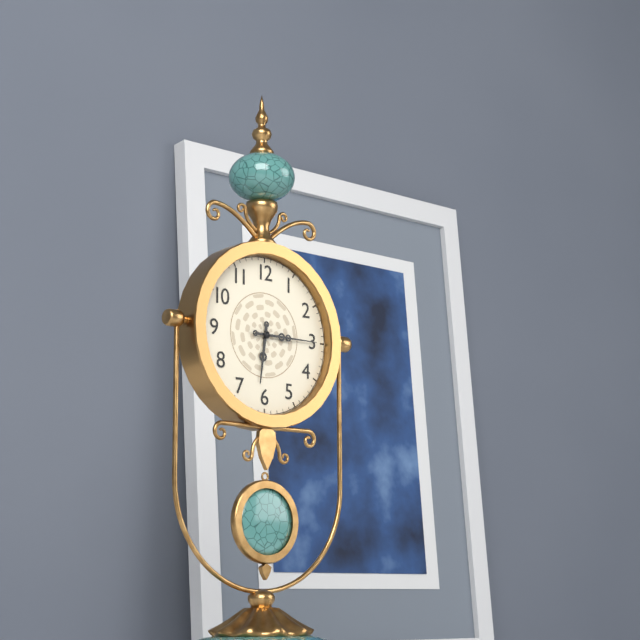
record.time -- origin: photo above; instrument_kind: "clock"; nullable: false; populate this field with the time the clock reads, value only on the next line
6:15
